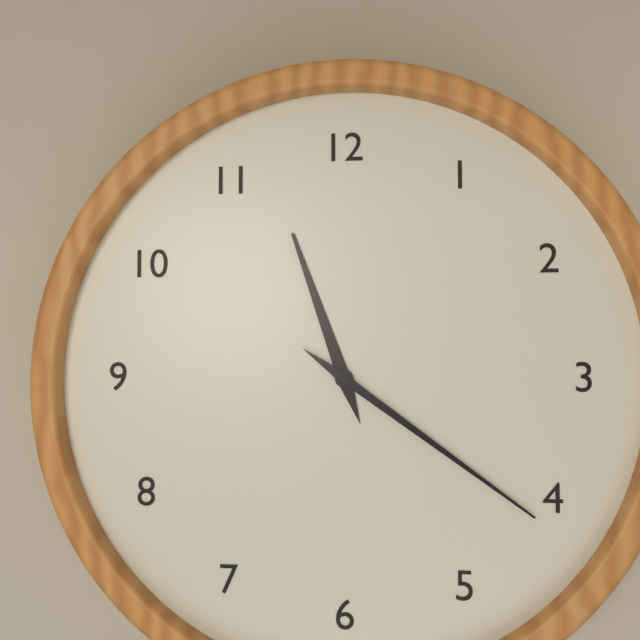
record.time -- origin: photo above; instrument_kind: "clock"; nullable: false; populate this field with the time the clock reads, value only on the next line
11:21
